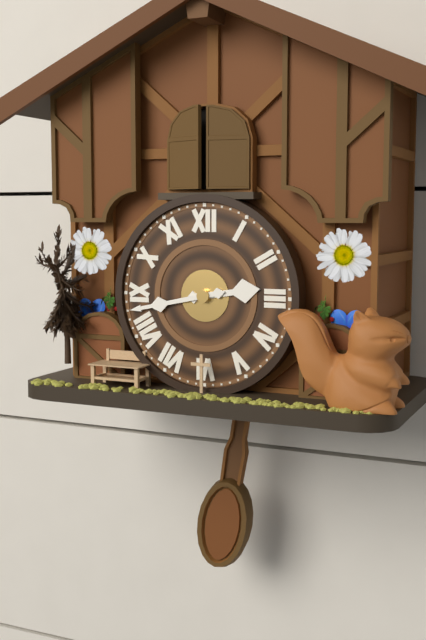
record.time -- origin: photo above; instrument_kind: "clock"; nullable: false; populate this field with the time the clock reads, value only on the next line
2:43
